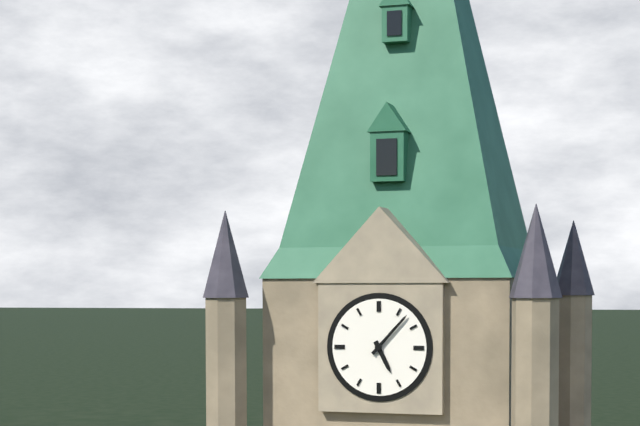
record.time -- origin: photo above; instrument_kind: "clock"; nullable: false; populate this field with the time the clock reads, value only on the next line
5:07
